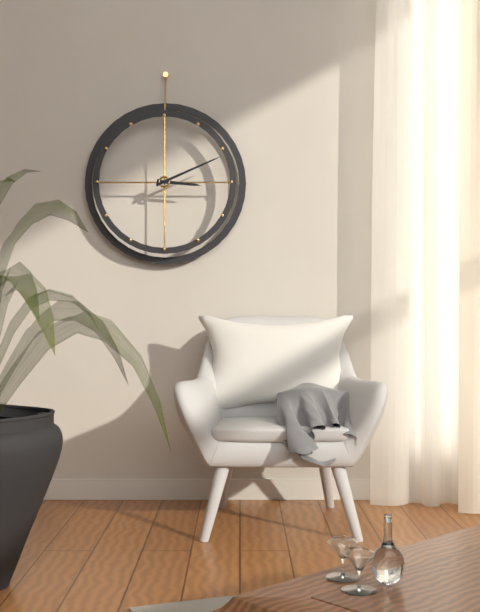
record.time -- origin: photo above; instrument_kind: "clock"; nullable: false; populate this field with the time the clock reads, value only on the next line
3:11
